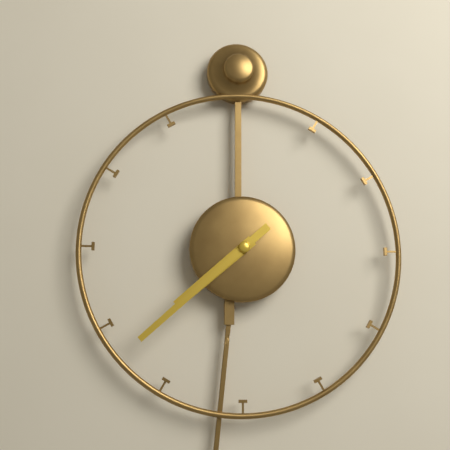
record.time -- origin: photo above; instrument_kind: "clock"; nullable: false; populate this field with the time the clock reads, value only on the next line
7:38
